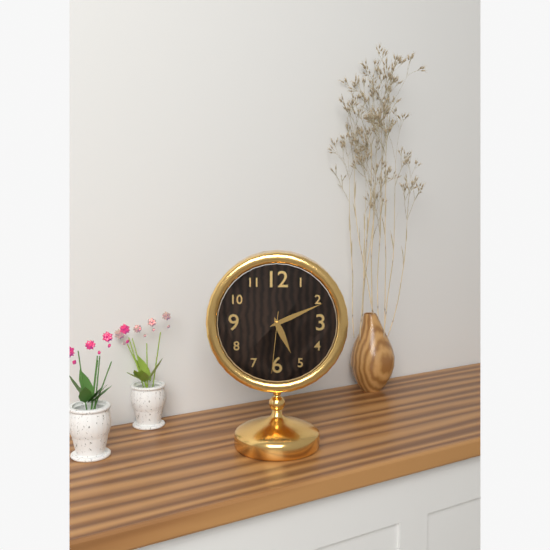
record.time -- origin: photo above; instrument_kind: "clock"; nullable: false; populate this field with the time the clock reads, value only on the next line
5:11:31
